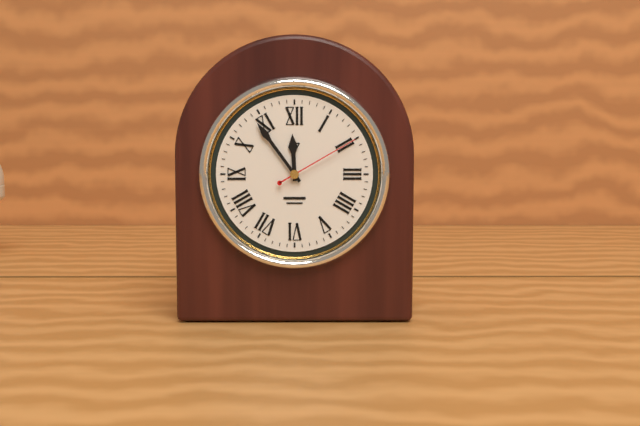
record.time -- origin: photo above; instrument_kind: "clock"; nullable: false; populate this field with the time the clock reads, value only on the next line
11:54:10
